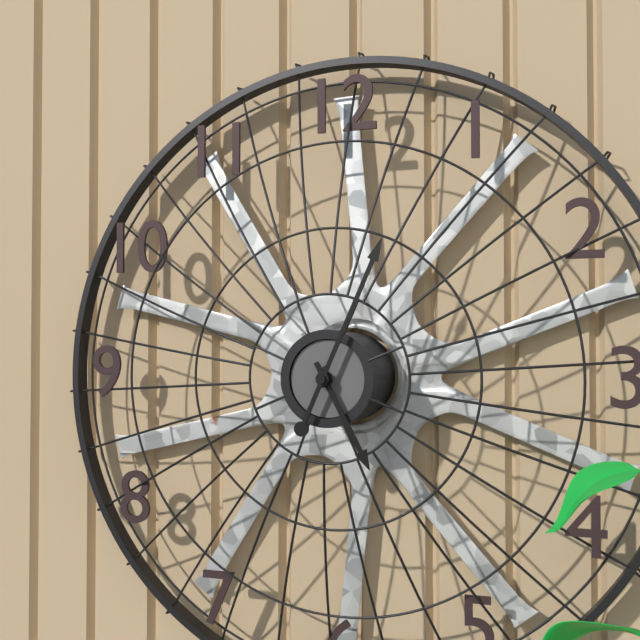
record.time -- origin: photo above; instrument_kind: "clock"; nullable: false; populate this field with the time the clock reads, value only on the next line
5:04
